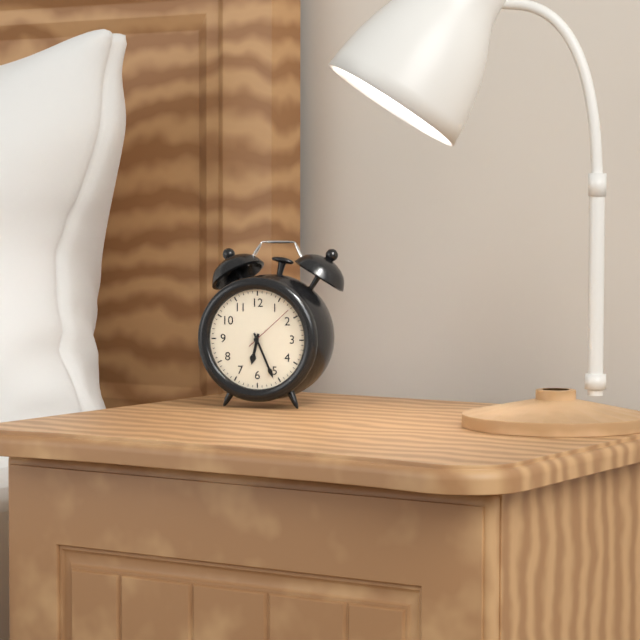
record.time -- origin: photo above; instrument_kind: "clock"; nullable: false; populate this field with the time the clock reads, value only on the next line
6:26:08
